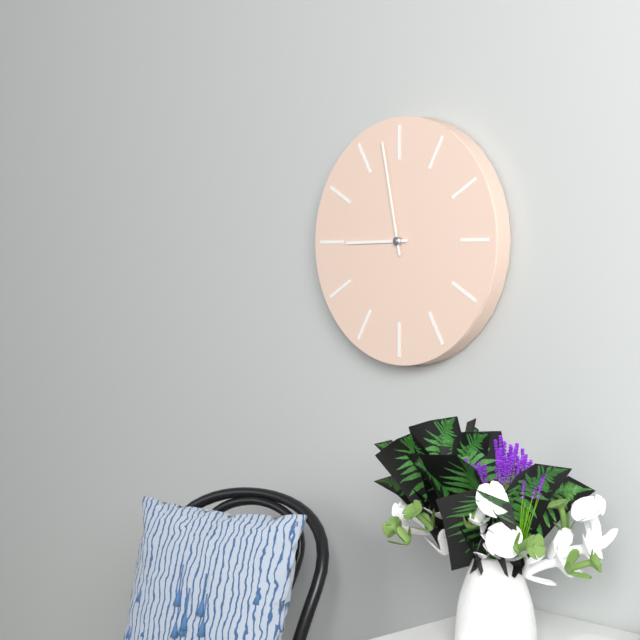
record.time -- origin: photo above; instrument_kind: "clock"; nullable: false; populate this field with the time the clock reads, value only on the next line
8:58
